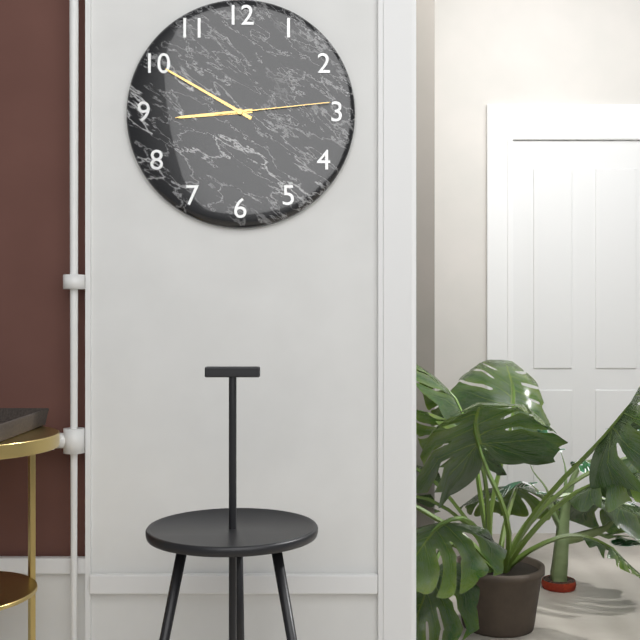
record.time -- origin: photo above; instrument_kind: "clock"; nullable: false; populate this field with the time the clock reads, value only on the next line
8:50:14
